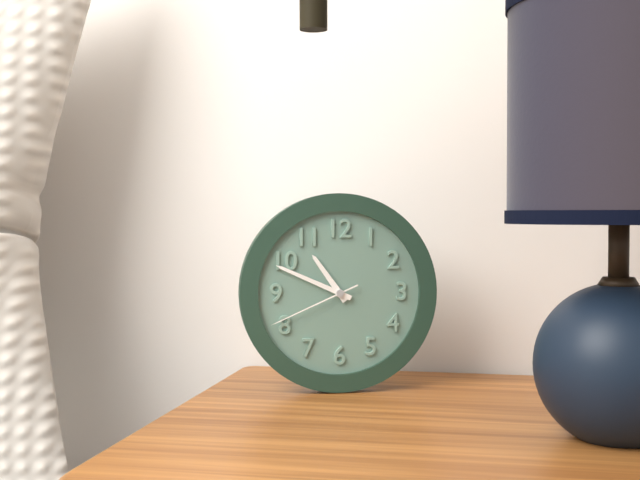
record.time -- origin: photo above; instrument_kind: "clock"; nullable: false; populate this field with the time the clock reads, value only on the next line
10:49:41
